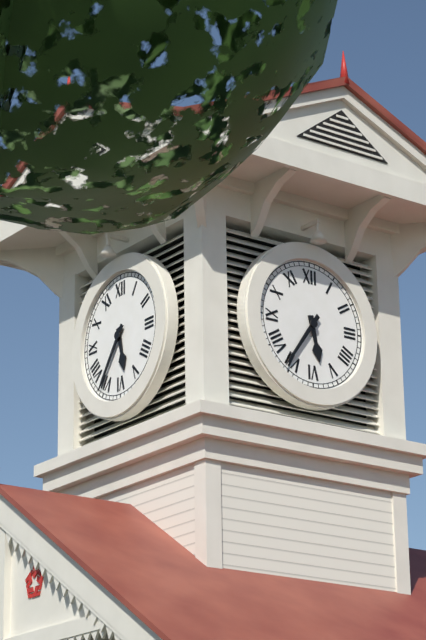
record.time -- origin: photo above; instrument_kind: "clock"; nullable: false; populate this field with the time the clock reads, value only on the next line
5:36
